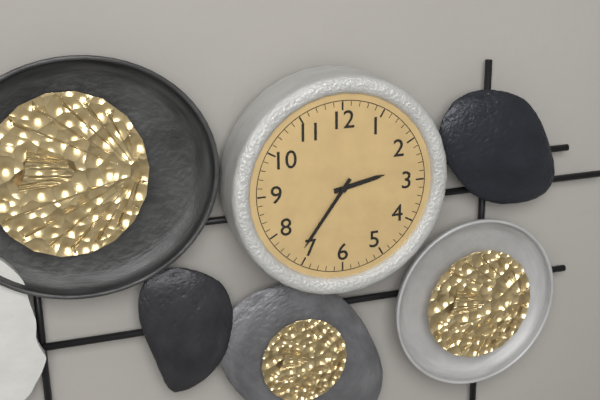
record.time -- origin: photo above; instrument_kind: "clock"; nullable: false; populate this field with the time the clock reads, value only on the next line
2:36
